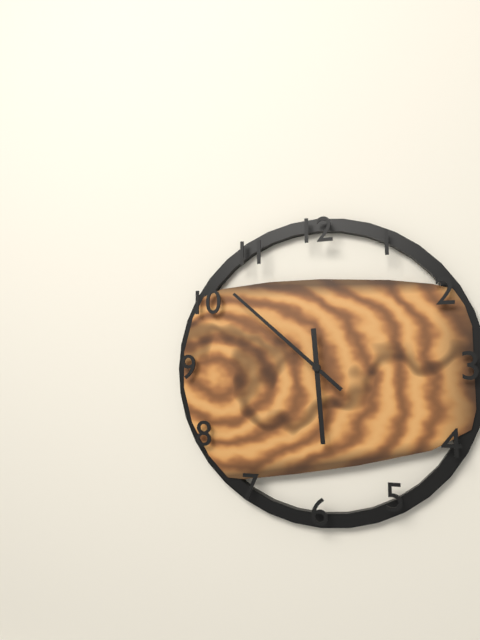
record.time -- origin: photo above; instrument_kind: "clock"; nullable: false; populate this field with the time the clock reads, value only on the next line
5:52
